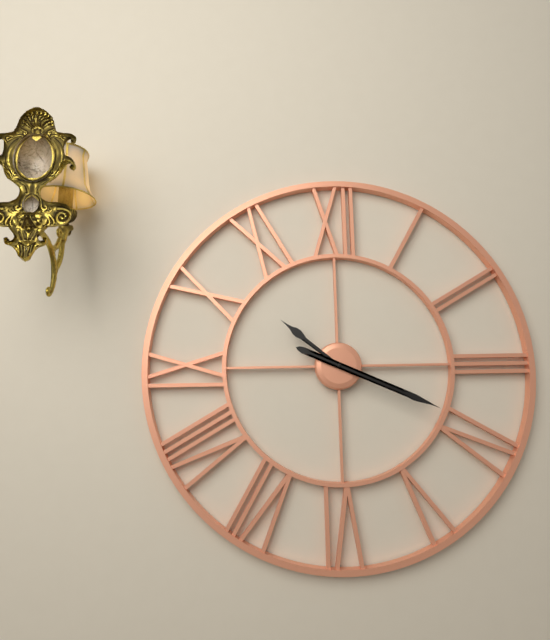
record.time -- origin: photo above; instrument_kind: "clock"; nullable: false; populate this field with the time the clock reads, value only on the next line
10:19
